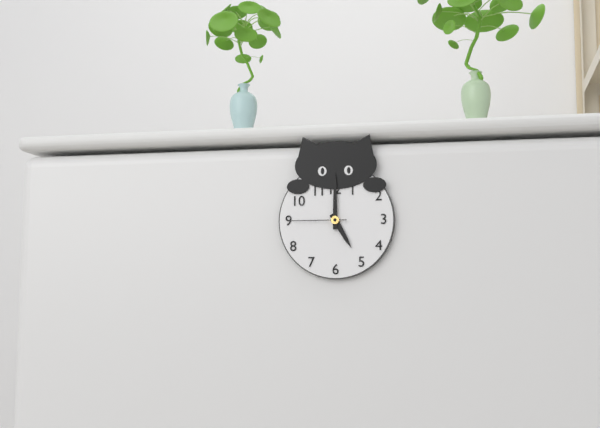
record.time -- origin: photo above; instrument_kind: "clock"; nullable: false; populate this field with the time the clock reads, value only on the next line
5:00:45
